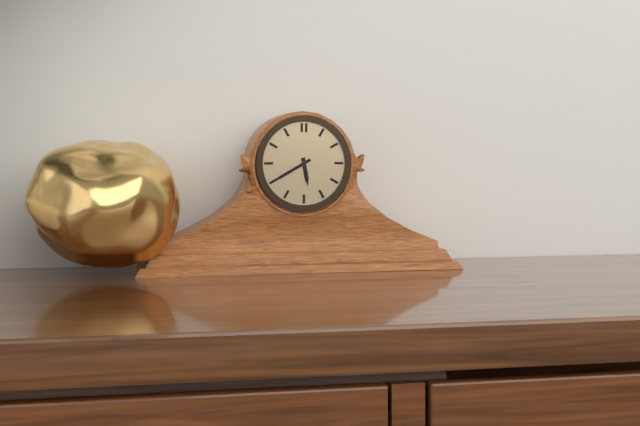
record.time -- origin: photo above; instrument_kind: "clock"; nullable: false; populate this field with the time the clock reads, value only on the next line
5:40
